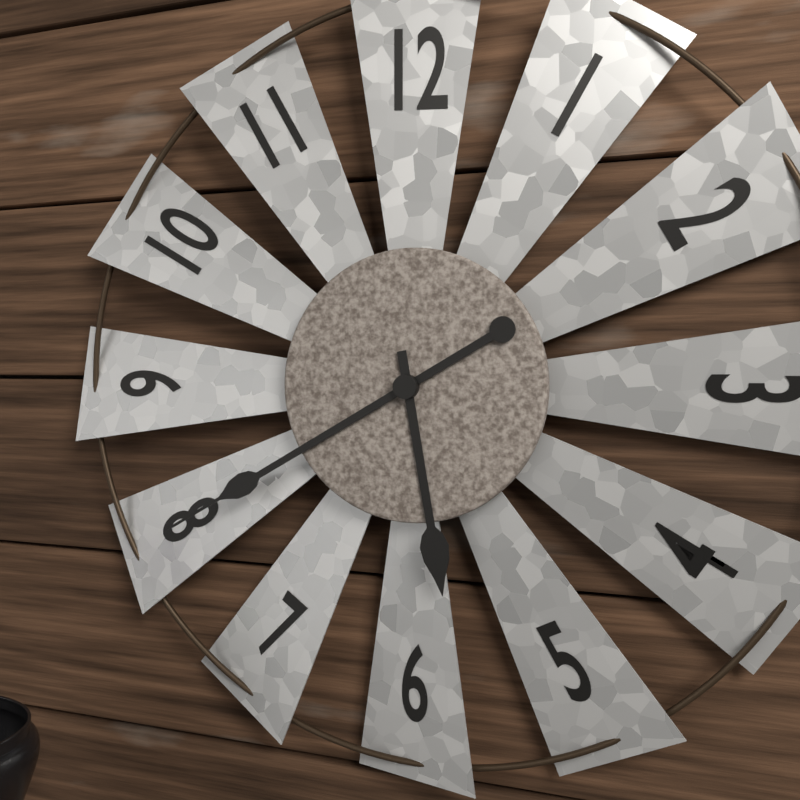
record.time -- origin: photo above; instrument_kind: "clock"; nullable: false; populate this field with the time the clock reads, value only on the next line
5:40
